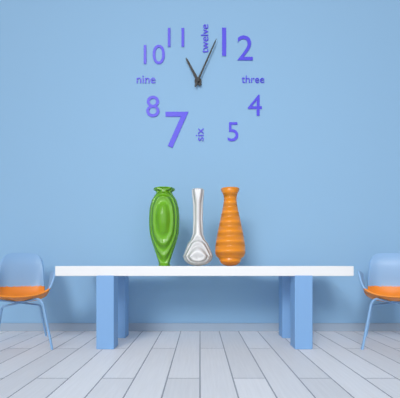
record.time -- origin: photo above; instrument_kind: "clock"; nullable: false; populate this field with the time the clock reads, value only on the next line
11:04
